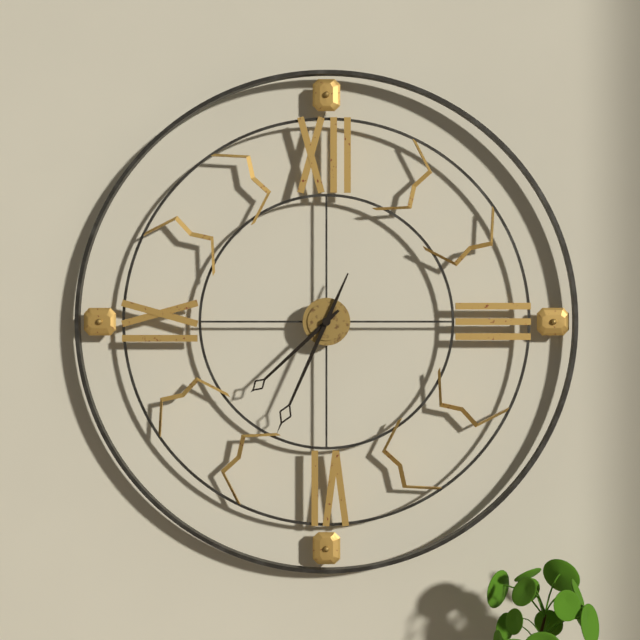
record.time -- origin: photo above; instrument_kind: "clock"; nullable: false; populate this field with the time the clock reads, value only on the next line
7:34
